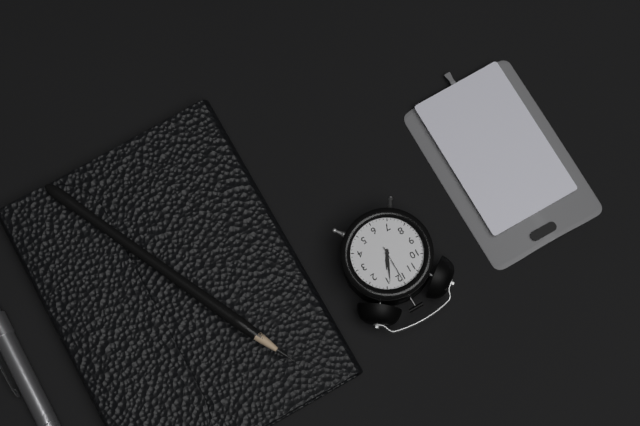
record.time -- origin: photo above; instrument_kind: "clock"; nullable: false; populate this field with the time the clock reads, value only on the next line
1:04
